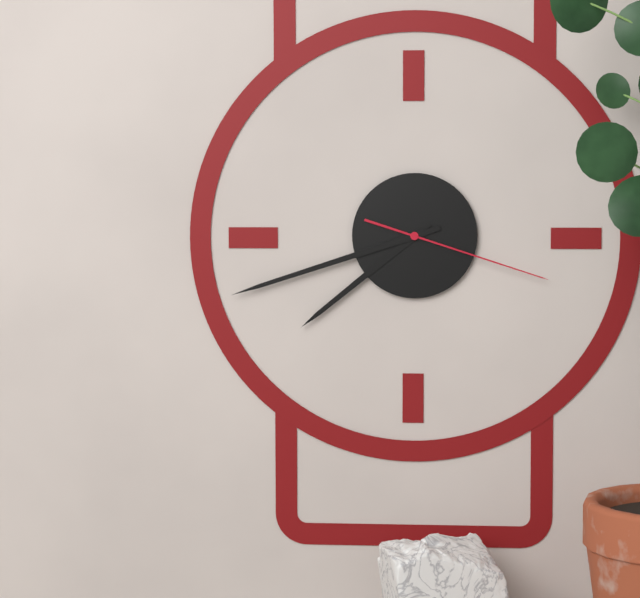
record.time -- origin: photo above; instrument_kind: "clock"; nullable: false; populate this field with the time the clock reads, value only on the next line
7:42:18
